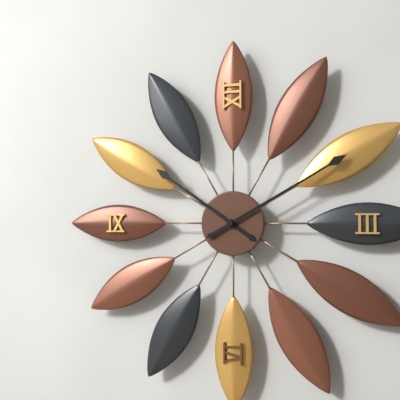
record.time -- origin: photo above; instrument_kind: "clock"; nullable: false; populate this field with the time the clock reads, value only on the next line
10:10
